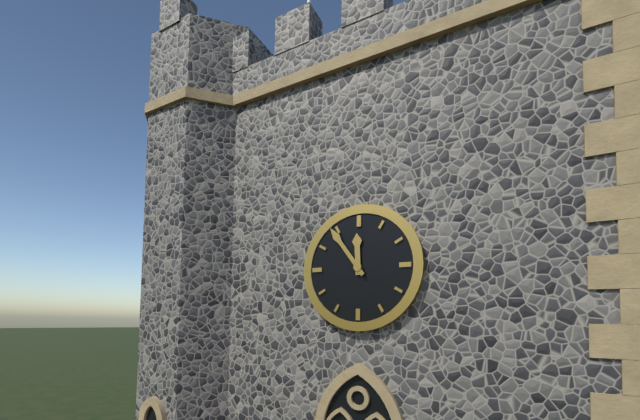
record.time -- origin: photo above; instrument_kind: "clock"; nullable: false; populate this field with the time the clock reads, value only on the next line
11:54
